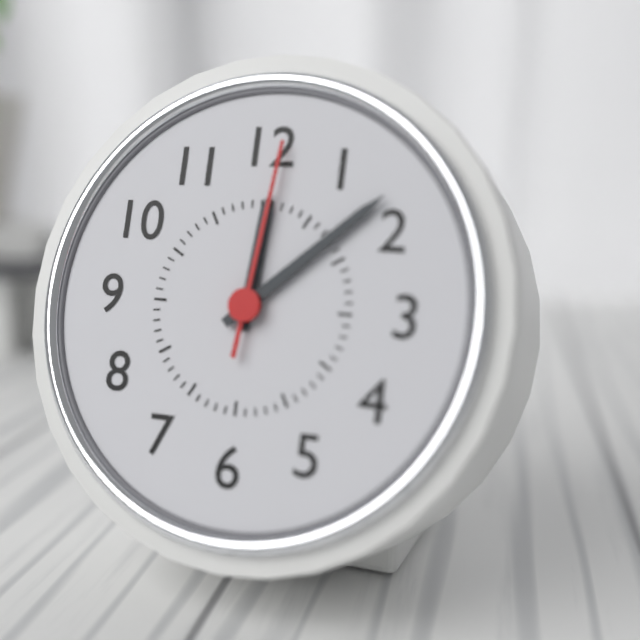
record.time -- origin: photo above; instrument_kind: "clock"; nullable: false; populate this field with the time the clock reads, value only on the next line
12:08:01
